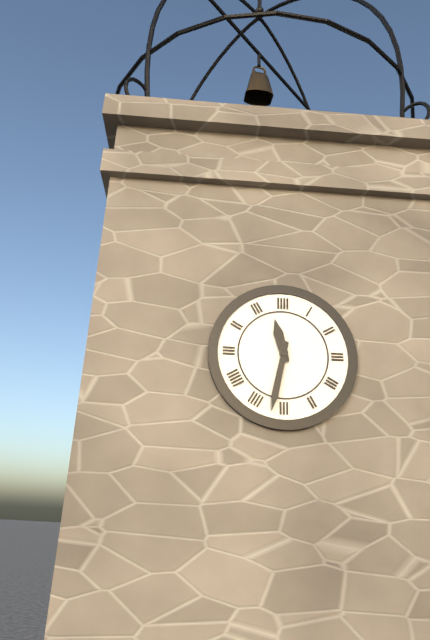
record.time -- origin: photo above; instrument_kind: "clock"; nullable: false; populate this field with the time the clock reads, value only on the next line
11:32
